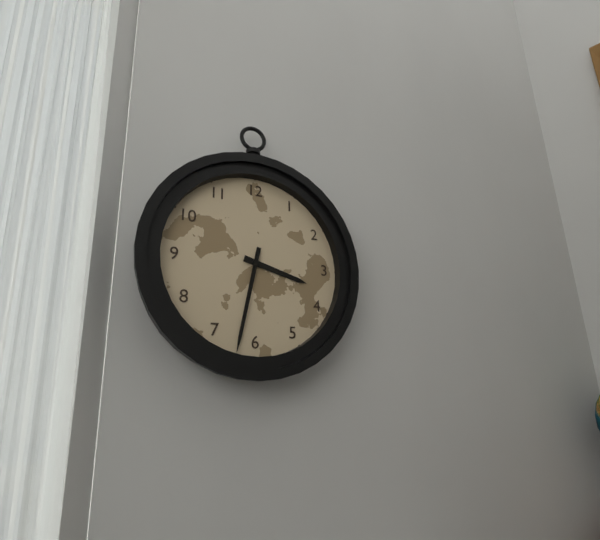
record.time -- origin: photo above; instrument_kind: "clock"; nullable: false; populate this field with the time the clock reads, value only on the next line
3:32
